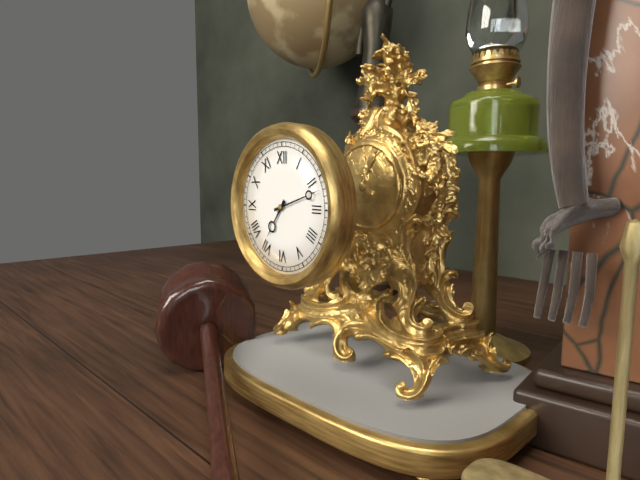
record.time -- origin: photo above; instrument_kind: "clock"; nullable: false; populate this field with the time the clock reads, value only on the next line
7:12
